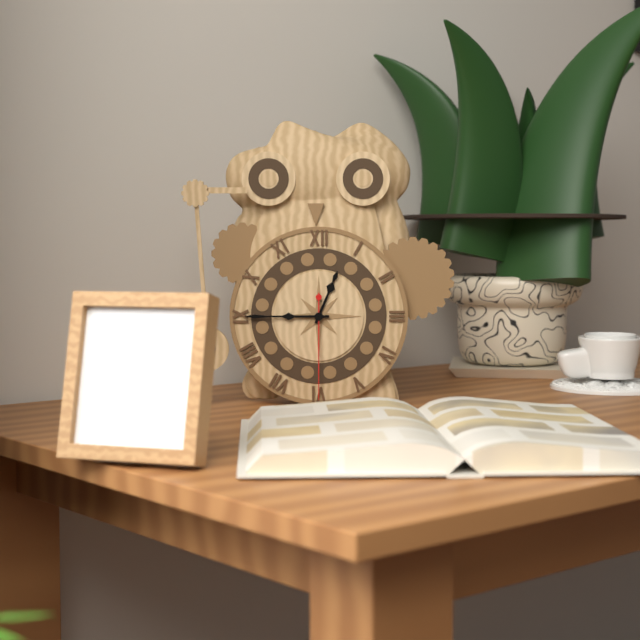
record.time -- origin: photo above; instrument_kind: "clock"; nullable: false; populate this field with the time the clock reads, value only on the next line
12:45:30
